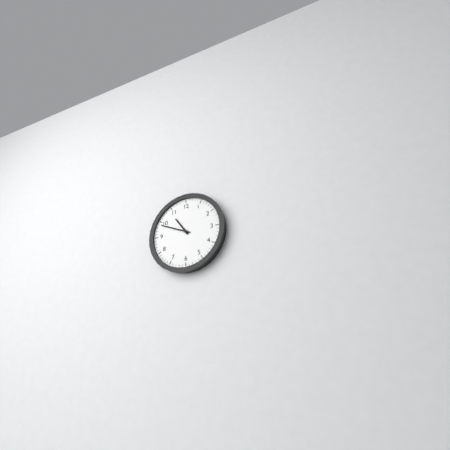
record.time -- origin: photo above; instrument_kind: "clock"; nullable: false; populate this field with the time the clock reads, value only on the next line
10:49
